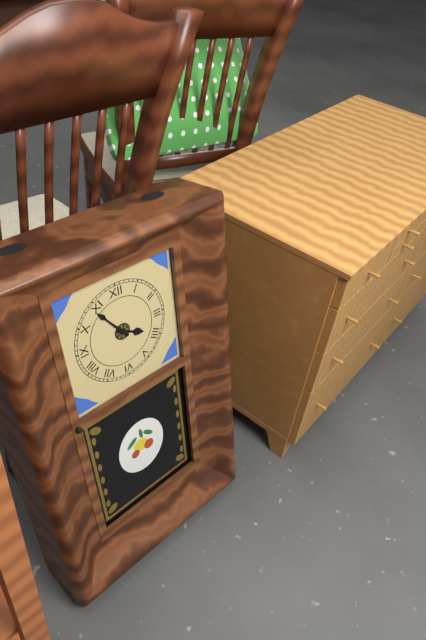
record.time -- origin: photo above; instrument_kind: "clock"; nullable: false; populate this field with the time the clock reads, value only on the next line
3:54
